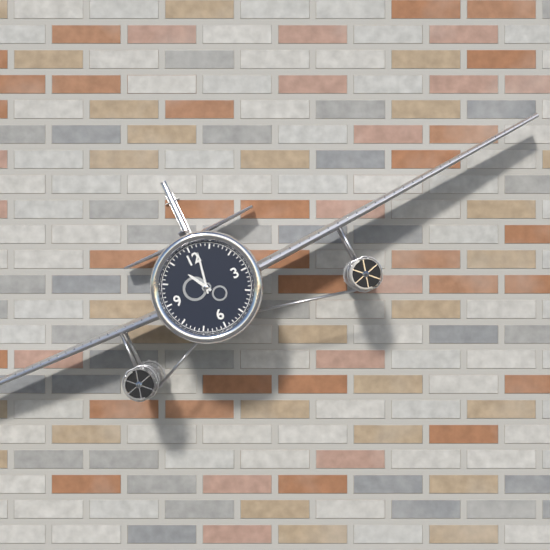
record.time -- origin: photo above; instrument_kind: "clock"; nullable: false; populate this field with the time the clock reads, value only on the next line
11:02
